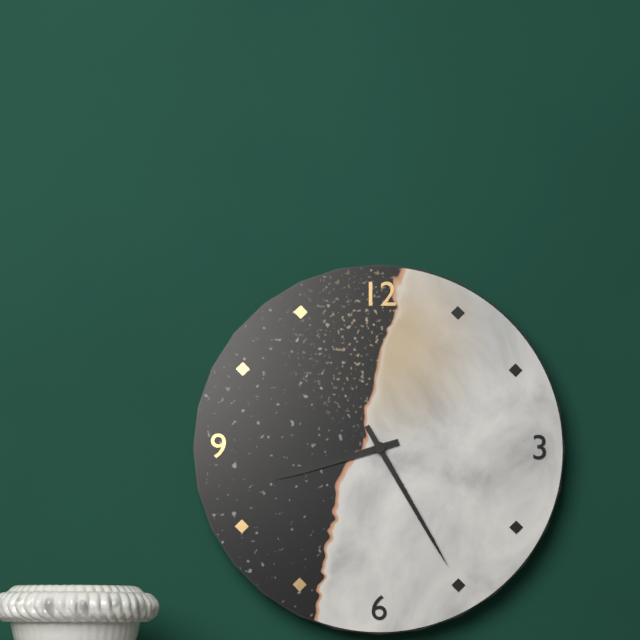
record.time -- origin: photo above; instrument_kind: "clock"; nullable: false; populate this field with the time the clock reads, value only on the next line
8:25
